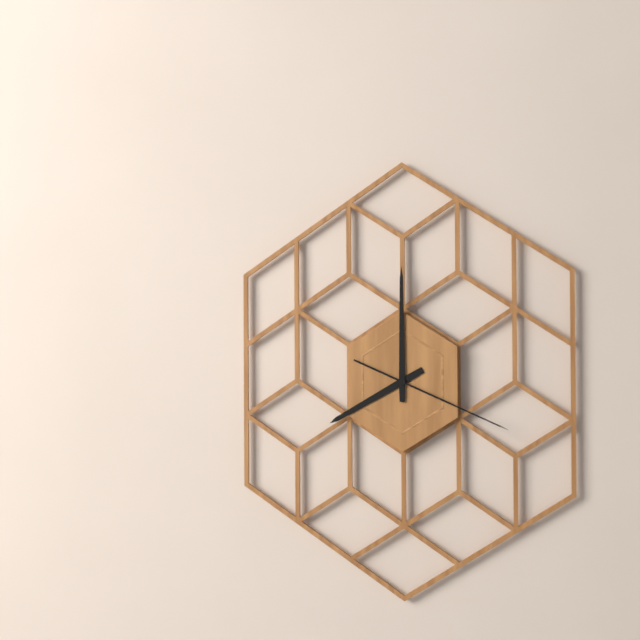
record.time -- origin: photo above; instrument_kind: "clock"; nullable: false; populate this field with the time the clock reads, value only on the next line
8:00:19
